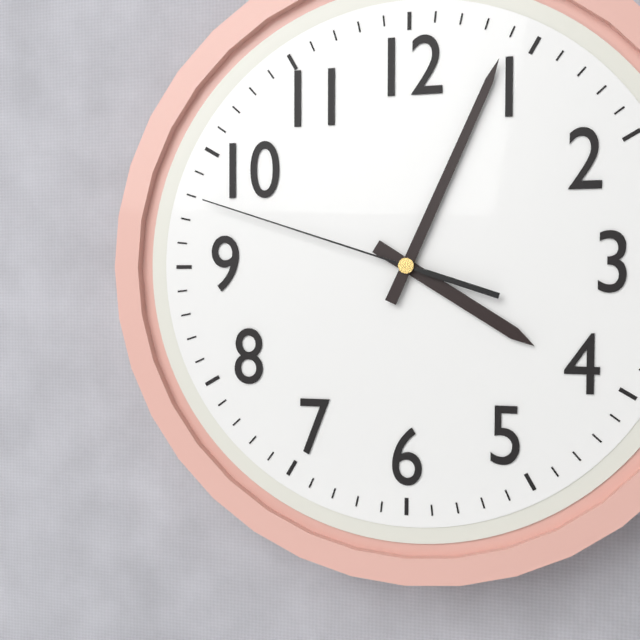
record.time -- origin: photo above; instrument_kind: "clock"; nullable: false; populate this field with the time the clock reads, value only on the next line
4:04:48
